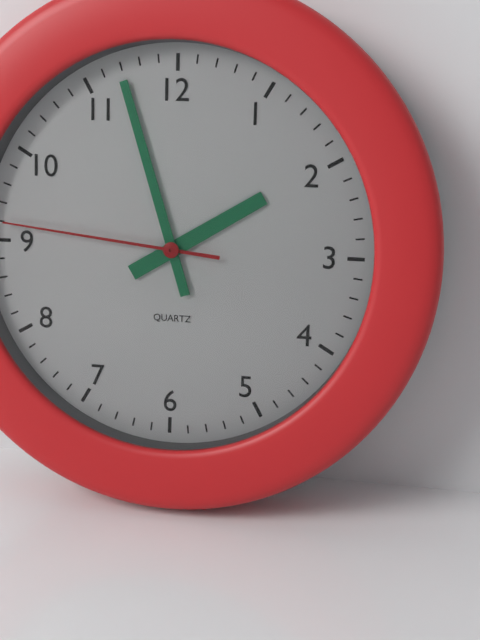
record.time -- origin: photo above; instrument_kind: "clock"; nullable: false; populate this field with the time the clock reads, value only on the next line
1:57:46
